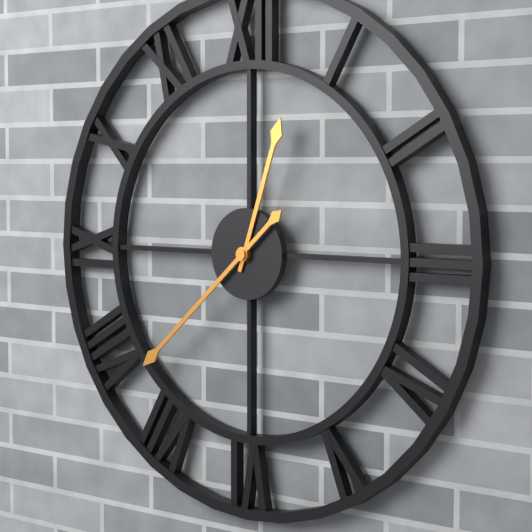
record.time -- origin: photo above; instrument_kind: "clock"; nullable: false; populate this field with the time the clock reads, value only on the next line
12:38
